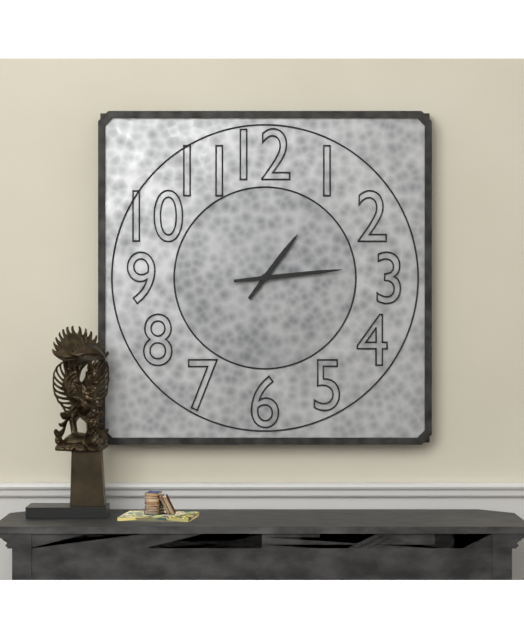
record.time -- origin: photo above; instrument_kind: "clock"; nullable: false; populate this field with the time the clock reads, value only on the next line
1:14
